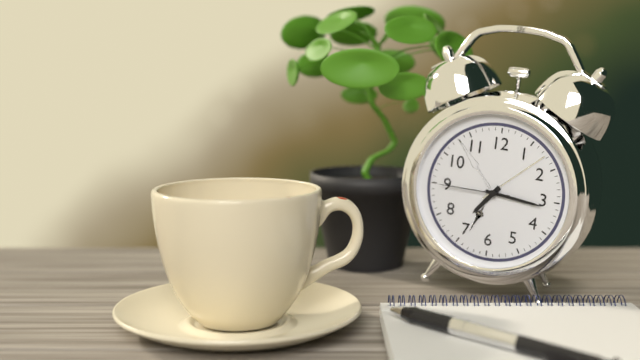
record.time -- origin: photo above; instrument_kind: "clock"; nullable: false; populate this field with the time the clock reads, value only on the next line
7:16:45
